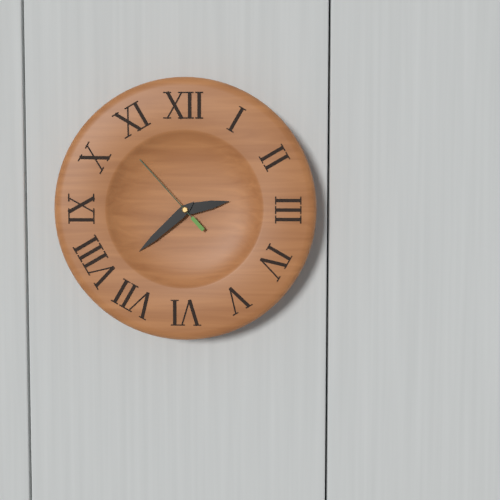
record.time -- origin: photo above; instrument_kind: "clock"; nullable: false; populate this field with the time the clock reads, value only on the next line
2:38:53
